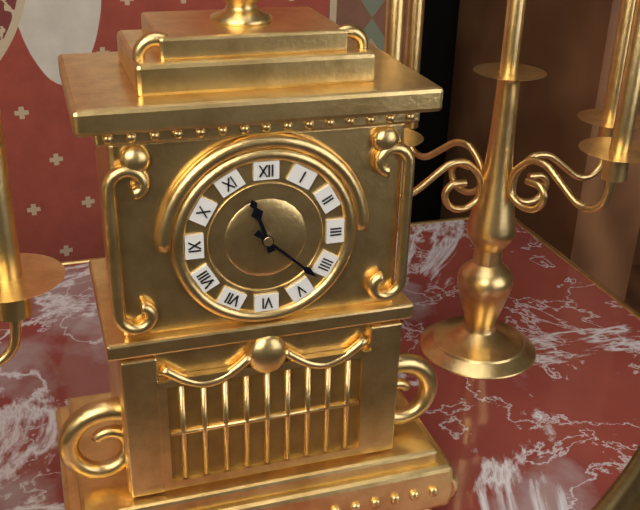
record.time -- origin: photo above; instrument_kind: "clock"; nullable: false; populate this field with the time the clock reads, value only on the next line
11:22
